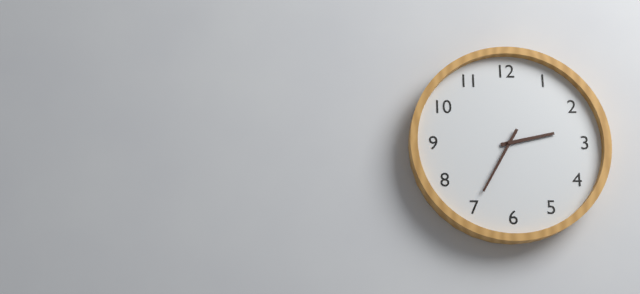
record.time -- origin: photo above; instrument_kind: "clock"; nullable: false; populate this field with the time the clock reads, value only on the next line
2:35
